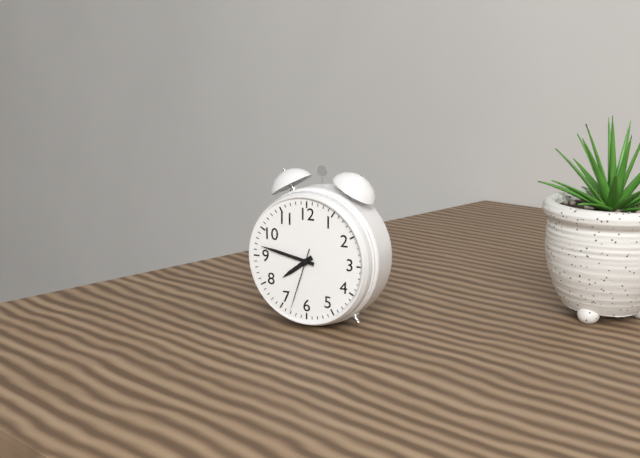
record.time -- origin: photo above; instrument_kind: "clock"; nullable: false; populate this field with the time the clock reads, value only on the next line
7:47:33
